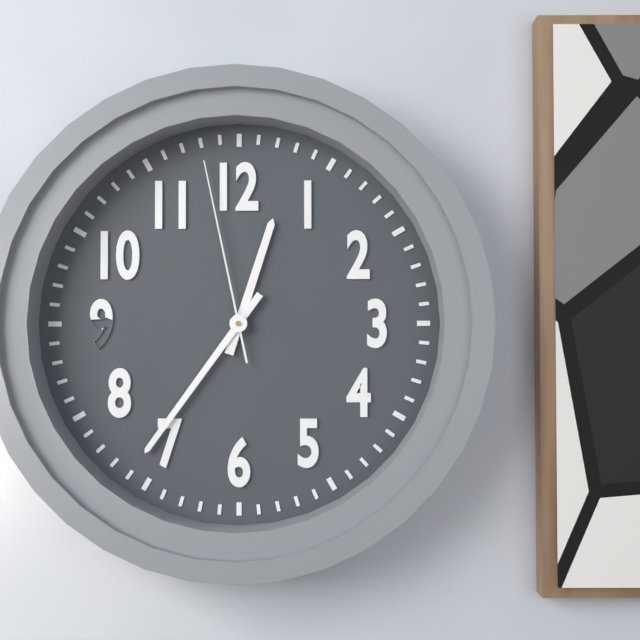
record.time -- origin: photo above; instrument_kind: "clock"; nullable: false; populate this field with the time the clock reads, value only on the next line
12:36:58
